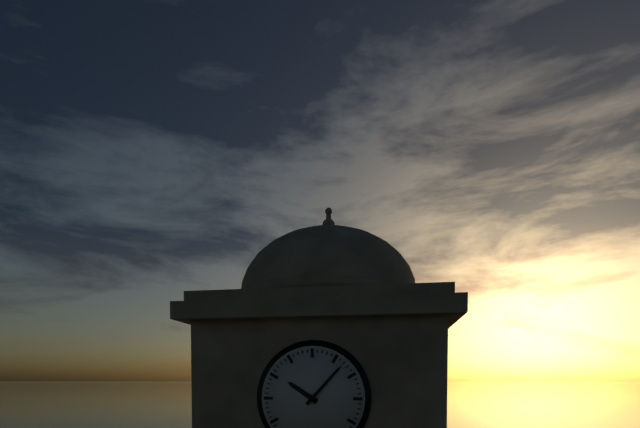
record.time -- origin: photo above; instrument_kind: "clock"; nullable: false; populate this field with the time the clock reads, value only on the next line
10:07
